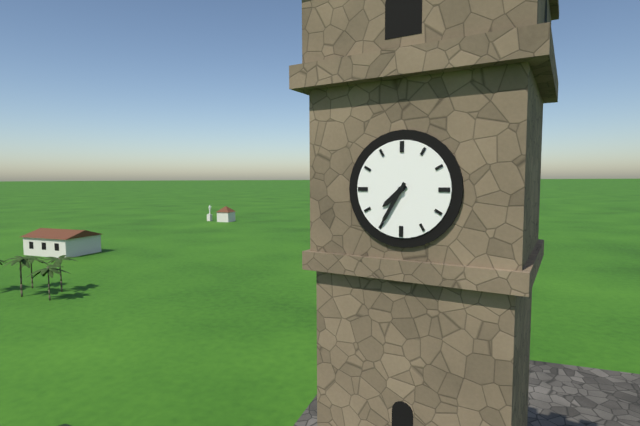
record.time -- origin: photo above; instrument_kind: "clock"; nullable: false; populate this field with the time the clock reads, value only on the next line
7:35
